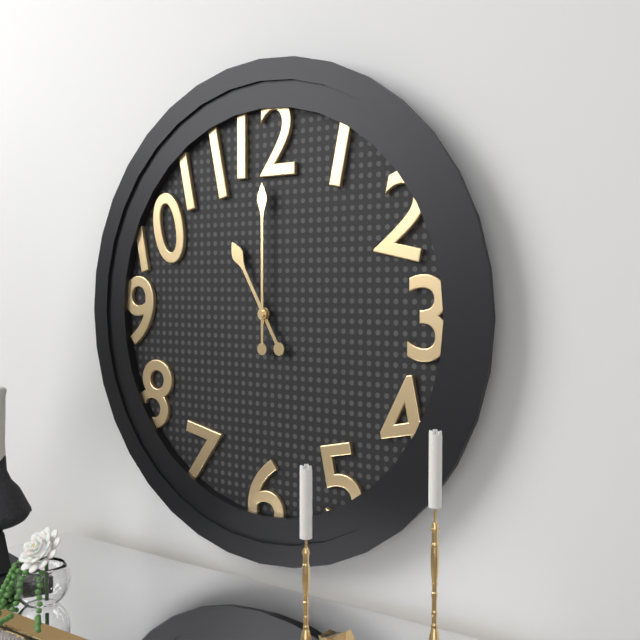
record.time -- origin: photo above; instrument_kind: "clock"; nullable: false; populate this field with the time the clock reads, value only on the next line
11:00
